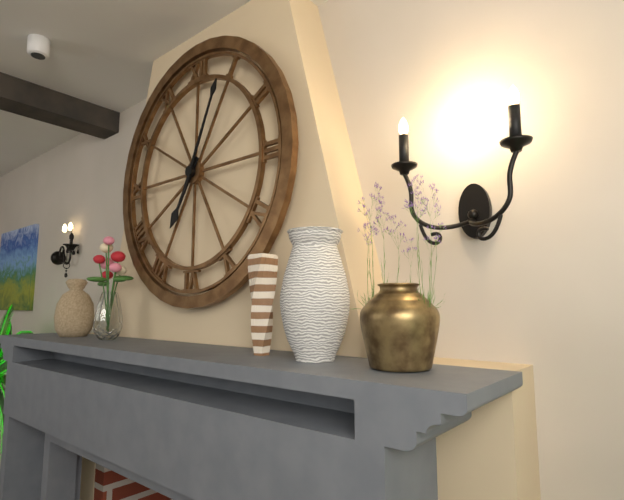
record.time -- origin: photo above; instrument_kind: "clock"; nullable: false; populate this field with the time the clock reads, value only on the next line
7:04
